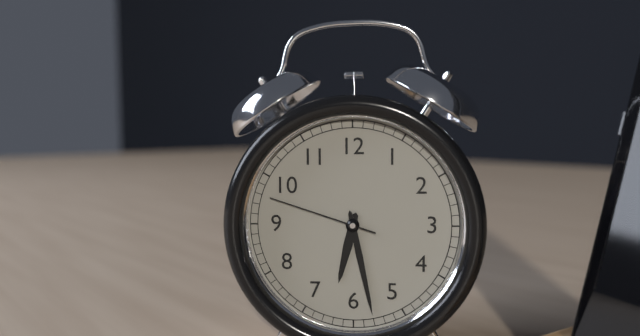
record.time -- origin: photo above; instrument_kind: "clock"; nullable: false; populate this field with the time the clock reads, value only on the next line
6:28:48
